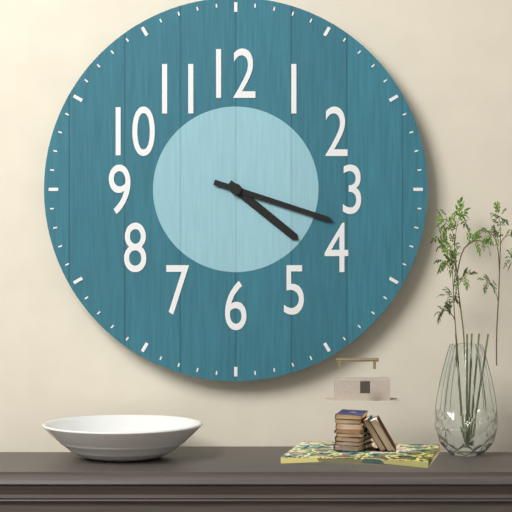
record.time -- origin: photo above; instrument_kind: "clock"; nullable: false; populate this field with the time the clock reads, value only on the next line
4:18
